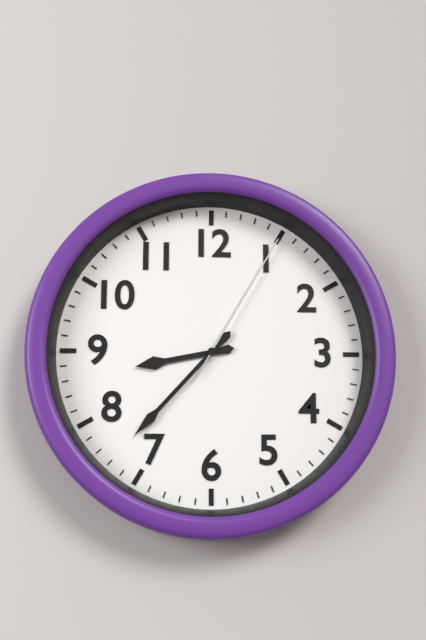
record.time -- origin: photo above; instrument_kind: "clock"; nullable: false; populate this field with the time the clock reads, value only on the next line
8:37:05
